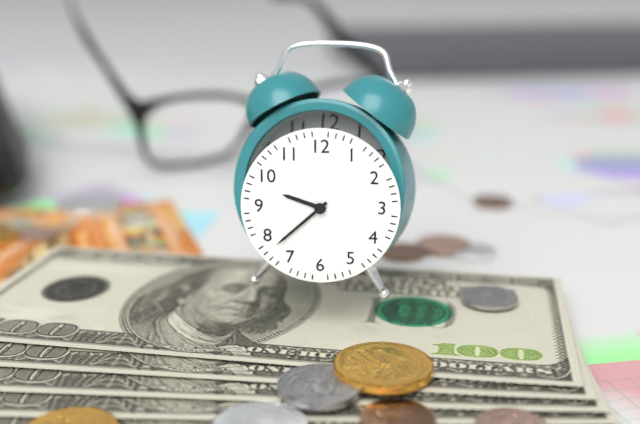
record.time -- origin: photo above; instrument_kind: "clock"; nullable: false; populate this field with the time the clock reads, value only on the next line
9:38
